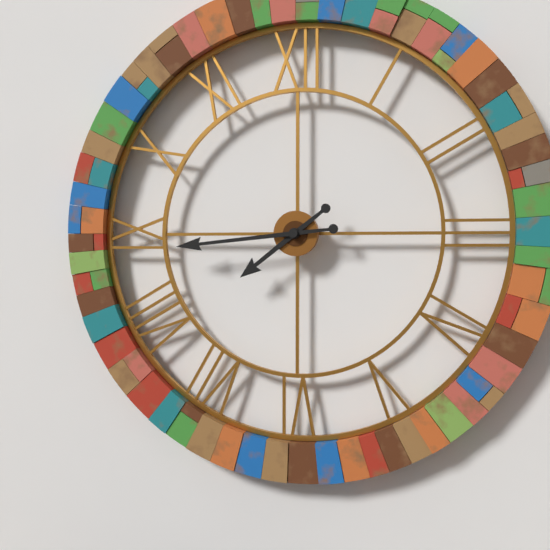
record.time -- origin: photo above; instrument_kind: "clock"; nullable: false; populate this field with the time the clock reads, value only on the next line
7:44
